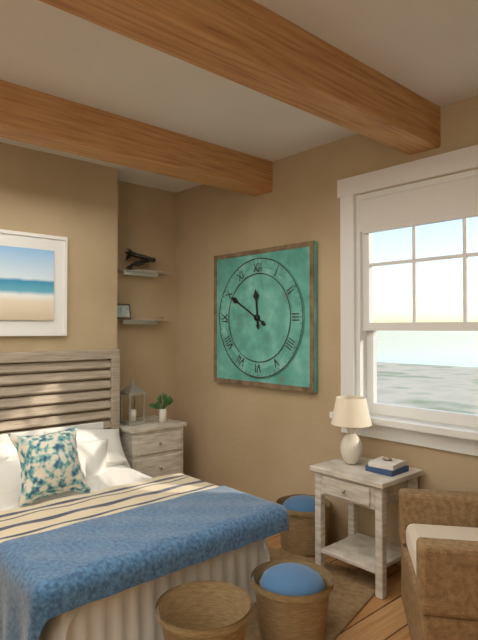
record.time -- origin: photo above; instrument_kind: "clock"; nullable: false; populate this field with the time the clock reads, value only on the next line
11:50
